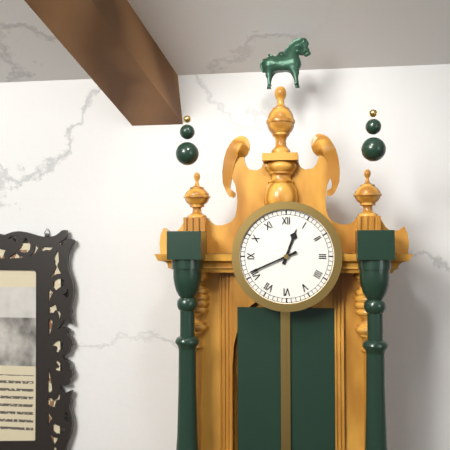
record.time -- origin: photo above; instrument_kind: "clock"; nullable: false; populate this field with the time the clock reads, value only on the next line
12:41
